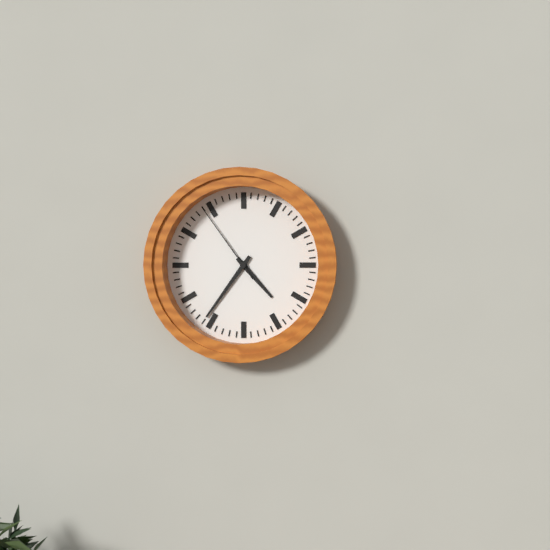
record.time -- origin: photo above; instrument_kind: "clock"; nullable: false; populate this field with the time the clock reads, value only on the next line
4:36:54
